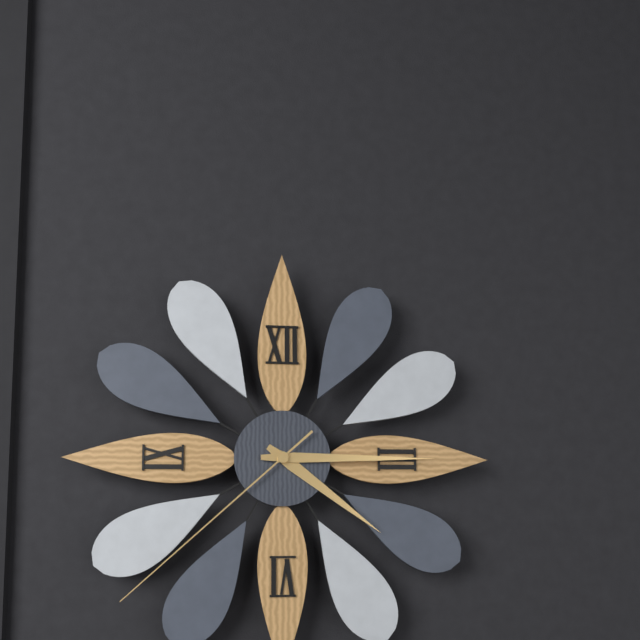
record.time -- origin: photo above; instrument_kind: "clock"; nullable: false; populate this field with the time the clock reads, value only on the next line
4:15:38
